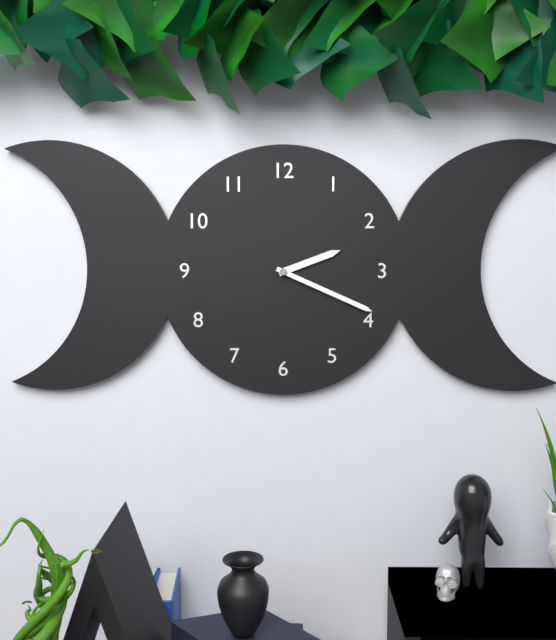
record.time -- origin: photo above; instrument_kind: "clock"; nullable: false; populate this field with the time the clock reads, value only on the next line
2:19
